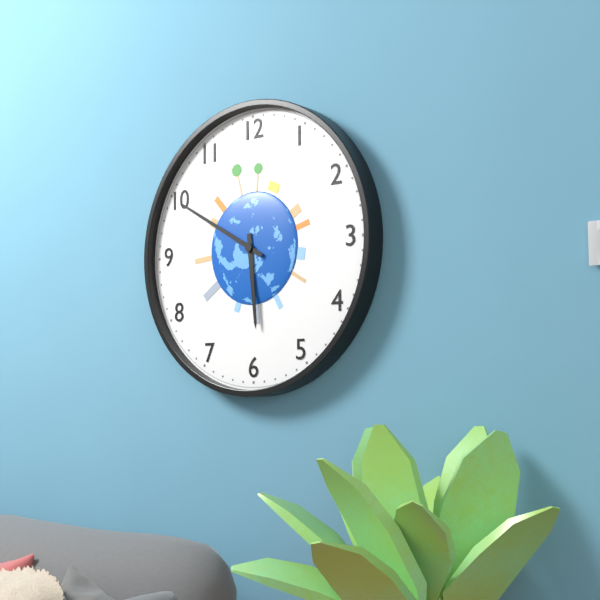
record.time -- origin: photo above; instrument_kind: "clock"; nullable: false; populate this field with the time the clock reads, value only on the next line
5:50
